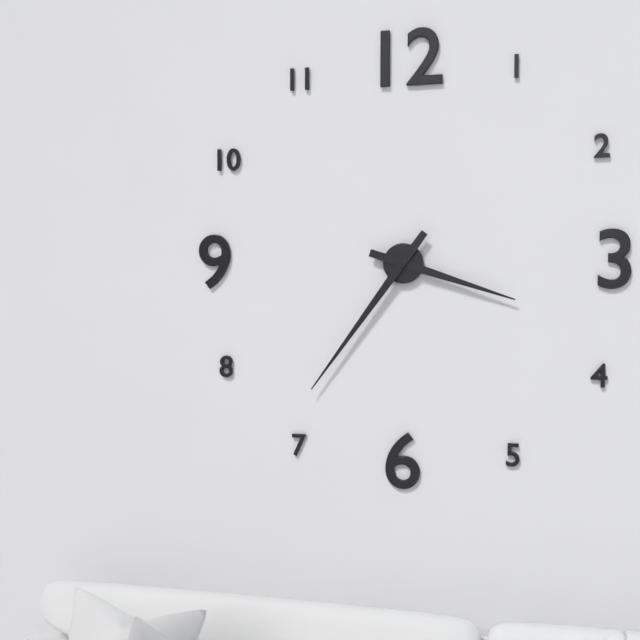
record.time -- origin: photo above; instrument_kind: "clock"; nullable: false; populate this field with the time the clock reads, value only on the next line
3:36
